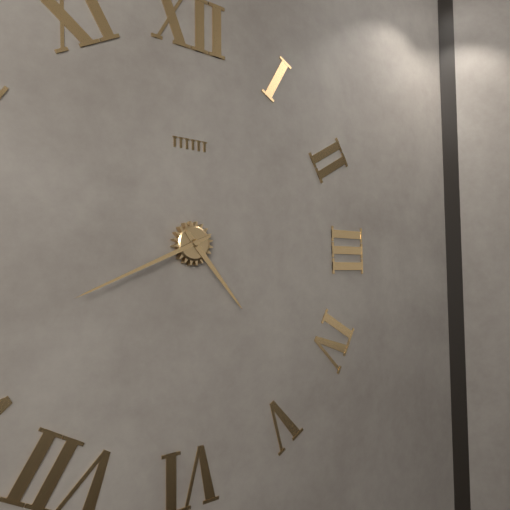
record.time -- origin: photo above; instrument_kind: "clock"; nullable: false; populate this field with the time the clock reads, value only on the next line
4:41
